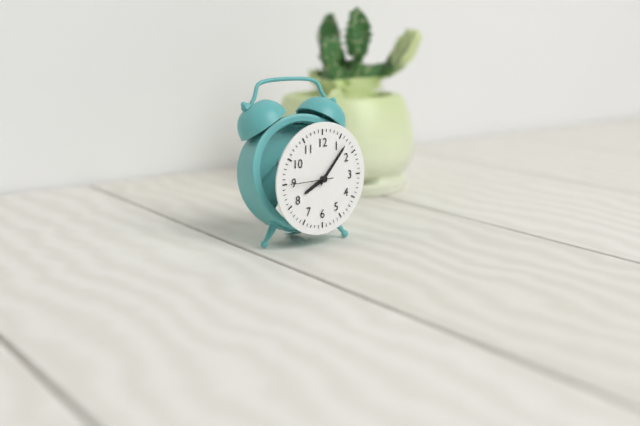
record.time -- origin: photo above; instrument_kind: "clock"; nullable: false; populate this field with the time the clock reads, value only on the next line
8:07
